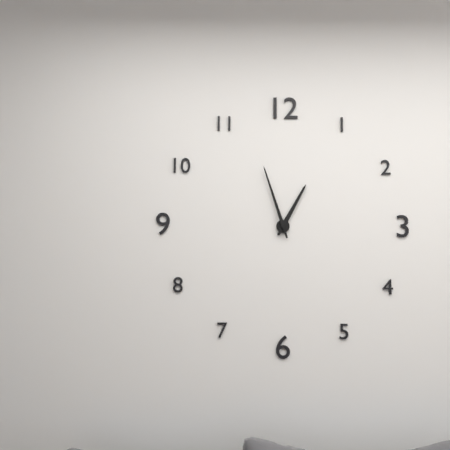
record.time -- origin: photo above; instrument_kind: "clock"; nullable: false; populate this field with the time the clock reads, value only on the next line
12:57
